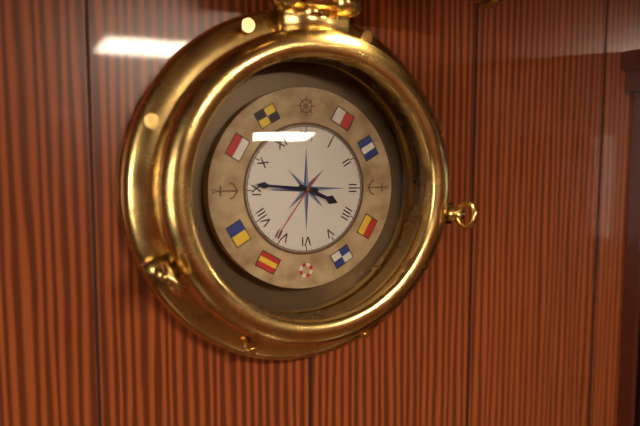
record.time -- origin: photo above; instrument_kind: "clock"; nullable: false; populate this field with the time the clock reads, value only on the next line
3:46:36
